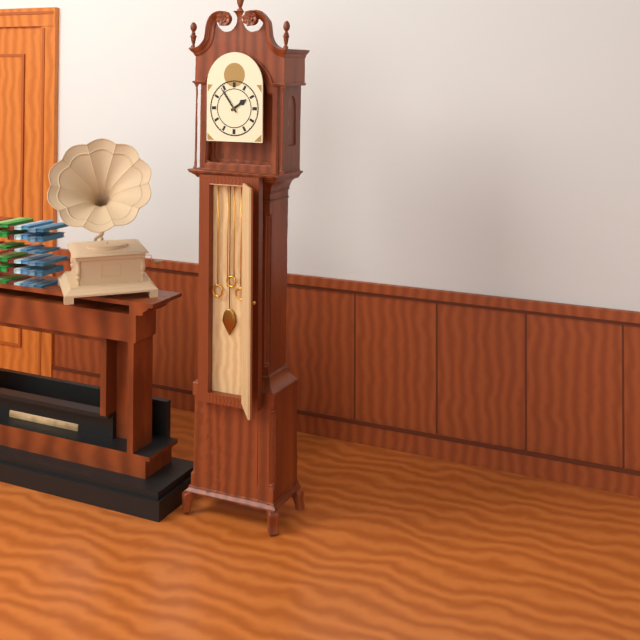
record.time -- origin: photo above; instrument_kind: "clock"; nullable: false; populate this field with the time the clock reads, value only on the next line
1:54
